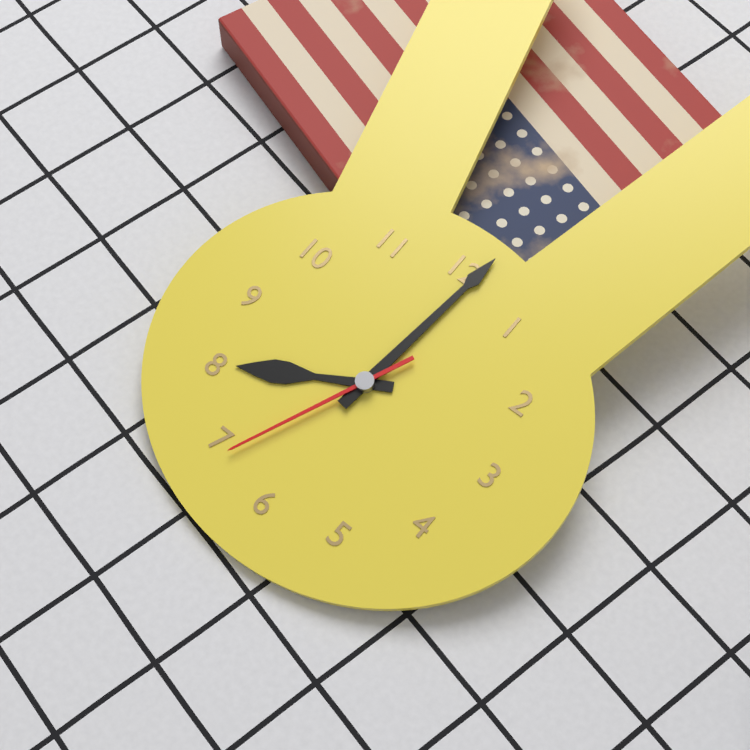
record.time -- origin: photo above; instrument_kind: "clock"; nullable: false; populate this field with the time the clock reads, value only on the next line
8:01:34
